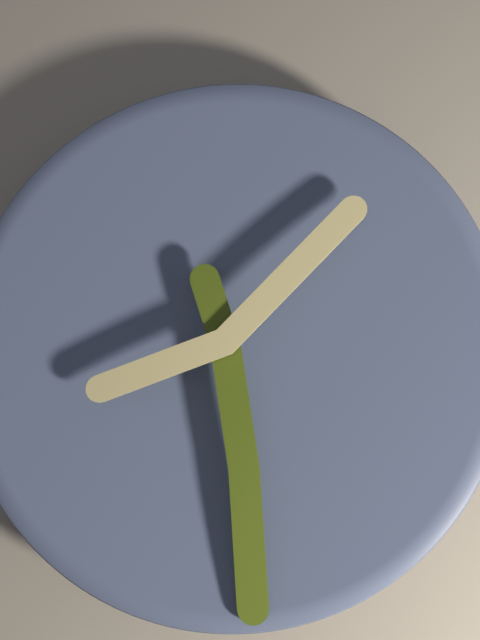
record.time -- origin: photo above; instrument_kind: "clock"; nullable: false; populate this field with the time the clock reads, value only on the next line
1:29
